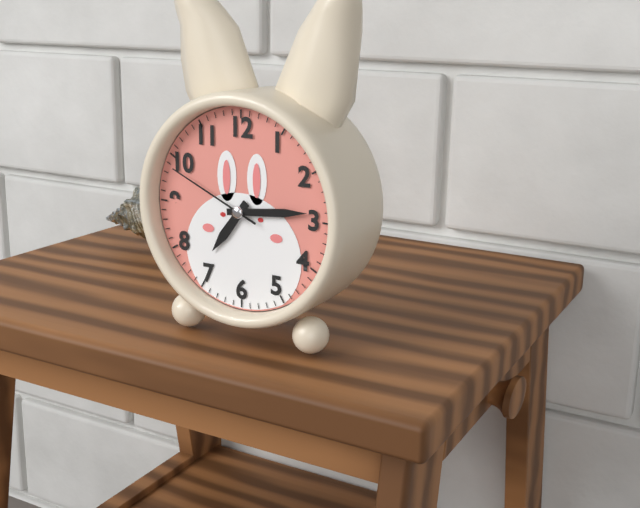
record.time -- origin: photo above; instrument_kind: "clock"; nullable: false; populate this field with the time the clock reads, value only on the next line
7:14:49
